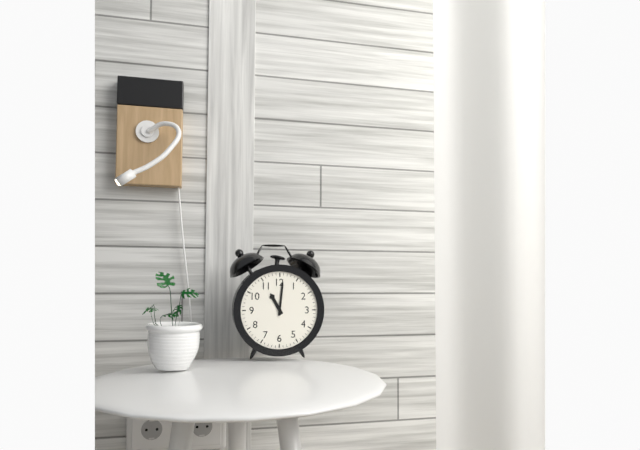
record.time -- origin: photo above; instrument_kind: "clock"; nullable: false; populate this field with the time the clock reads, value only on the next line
11:01
